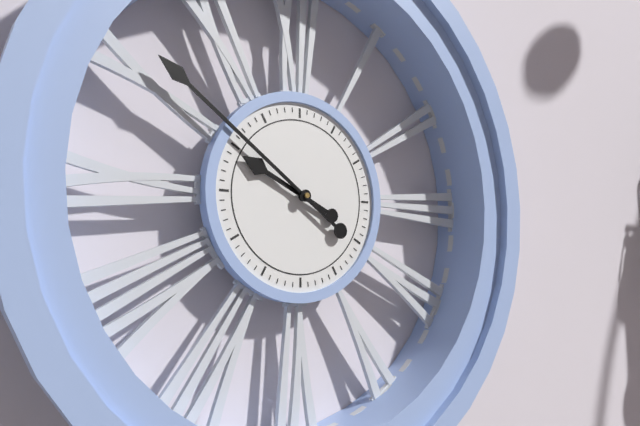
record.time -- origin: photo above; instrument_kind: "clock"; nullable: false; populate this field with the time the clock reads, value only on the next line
9:51
